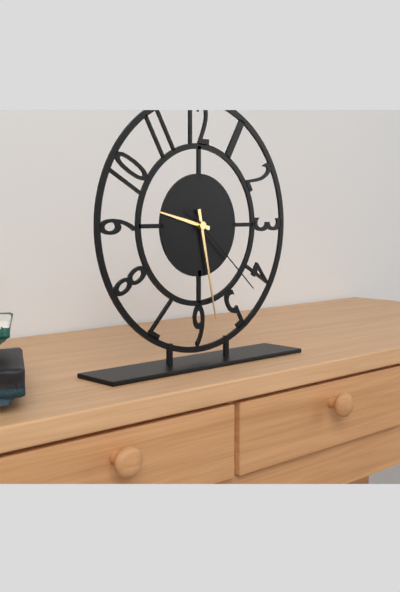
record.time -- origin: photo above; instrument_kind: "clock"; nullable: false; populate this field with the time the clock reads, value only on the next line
9:28:22
